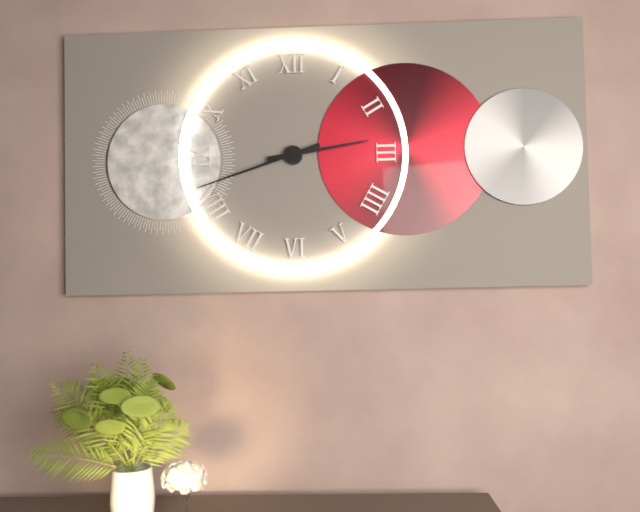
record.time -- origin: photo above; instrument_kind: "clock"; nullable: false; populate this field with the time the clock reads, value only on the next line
2:42
